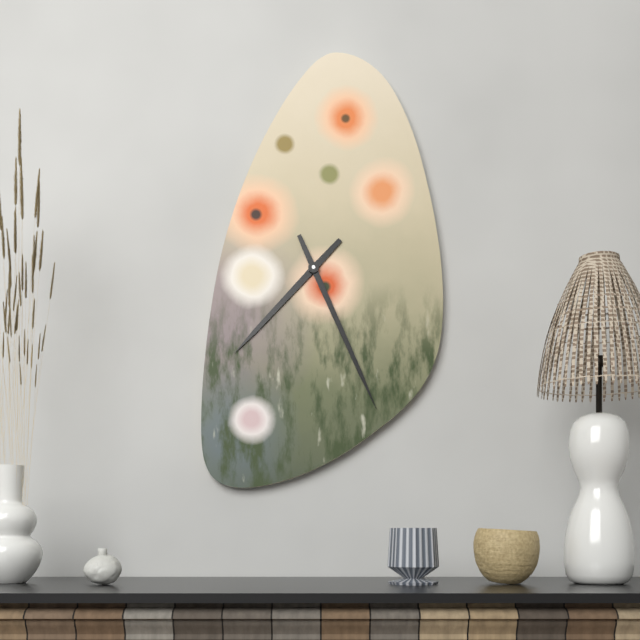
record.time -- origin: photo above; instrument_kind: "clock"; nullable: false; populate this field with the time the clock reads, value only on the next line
7:26
